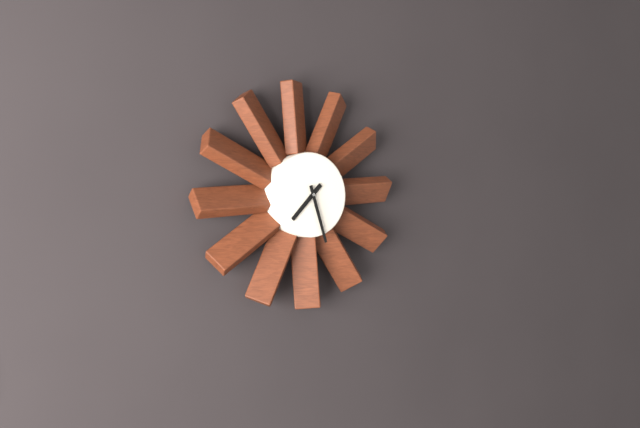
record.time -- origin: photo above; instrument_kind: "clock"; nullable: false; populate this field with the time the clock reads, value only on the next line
7:27
